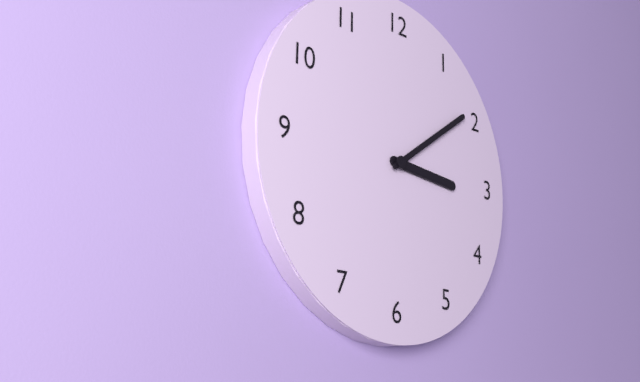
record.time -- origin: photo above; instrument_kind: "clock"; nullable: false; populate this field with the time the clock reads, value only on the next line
3:09
